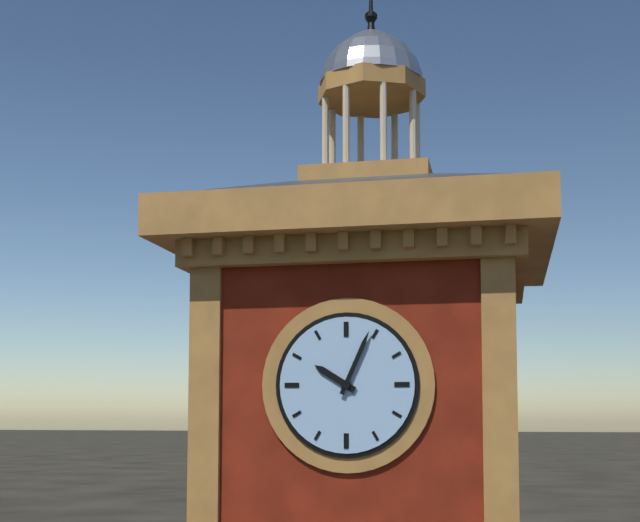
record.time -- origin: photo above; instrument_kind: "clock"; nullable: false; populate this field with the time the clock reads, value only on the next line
10:04
